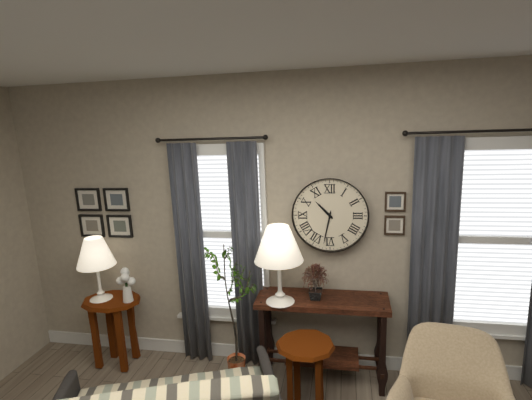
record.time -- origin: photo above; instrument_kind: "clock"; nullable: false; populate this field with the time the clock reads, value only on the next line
10:32
